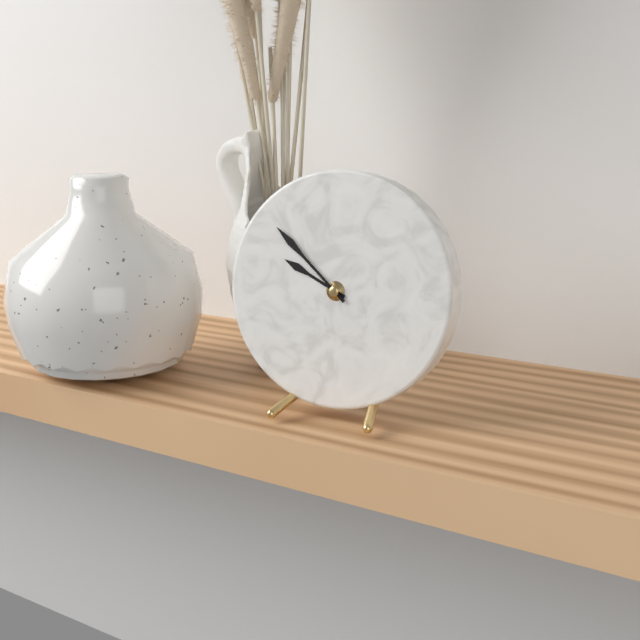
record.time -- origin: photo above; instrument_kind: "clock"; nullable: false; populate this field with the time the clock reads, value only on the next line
9:52
